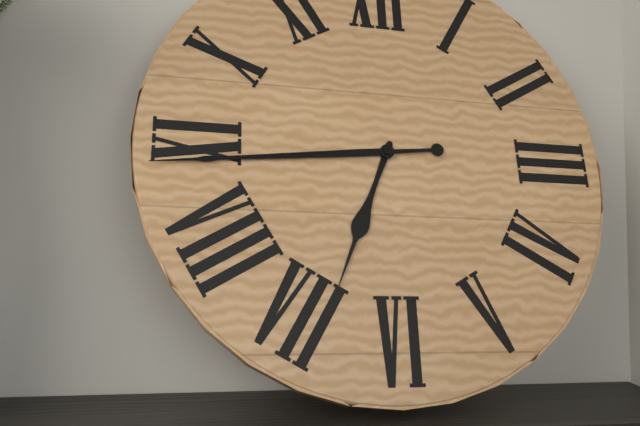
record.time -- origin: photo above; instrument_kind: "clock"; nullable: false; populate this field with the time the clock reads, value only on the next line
6:44
